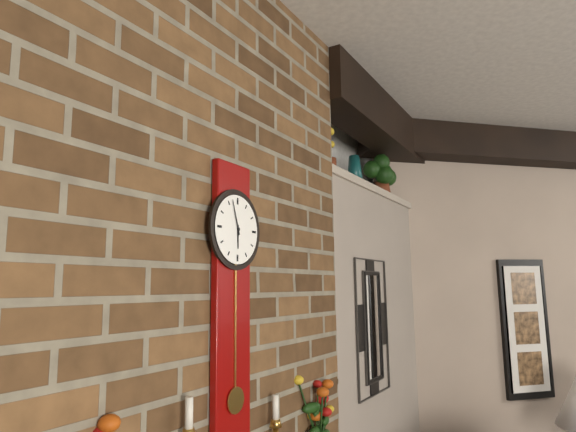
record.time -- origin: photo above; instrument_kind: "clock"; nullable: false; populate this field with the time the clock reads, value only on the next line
5:57
